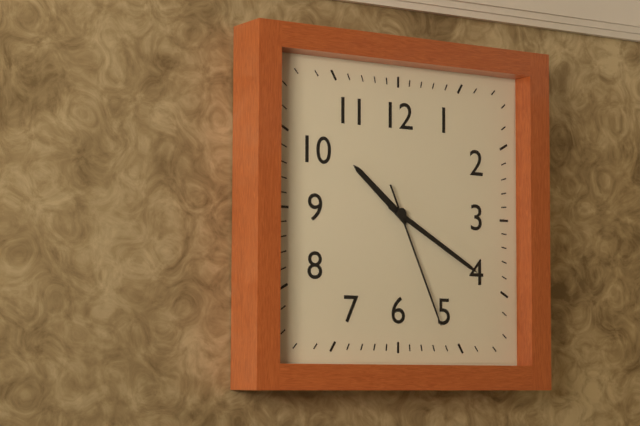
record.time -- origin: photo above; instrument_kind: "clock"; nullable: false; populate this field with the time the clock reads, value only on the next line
10:20:26
